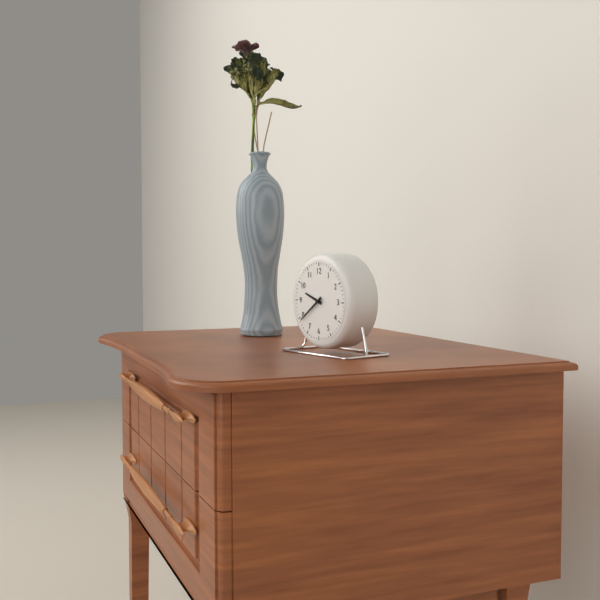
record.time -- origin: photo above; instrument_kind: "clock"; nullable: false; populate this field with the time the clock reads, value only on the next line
9:39
